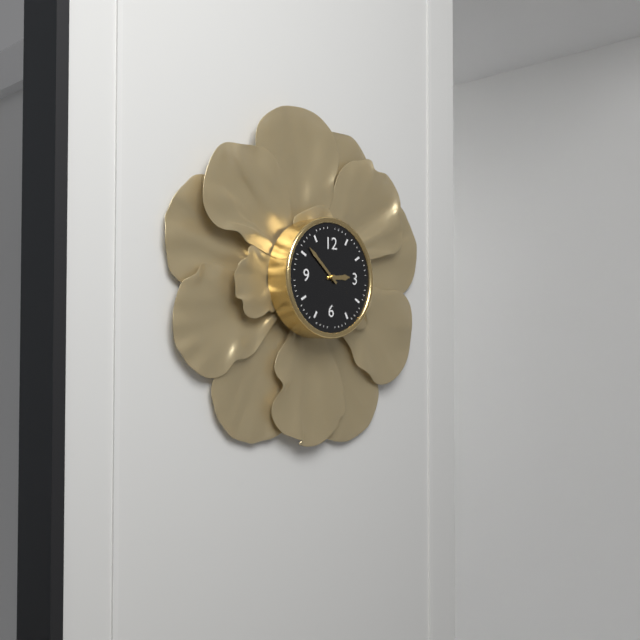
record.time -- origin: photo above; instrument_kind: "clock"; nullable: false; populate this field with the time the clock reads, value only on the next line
2:52
